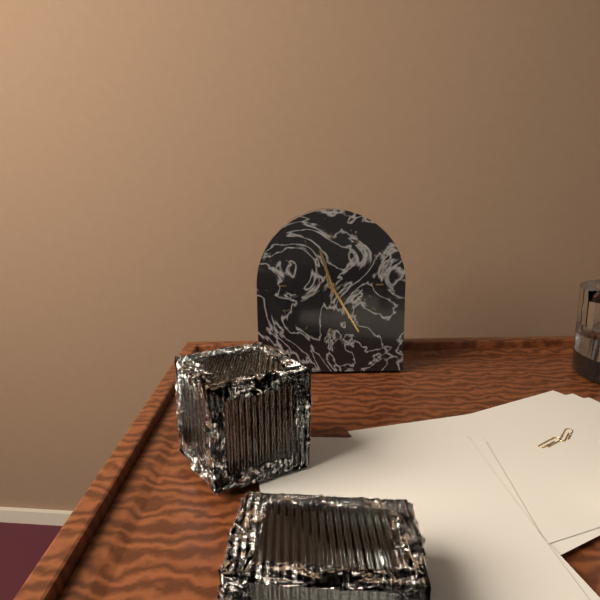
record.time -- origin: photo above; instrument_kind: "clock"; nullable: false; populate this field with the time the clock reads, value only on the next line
11:25
